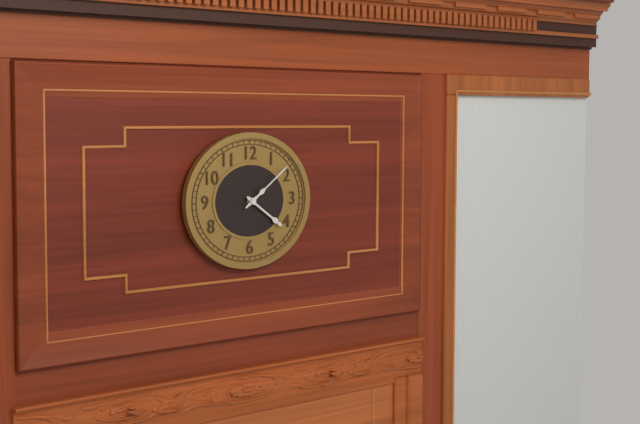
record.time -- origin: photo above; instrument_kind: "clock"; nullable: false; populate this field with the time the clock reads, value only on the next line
4:09
